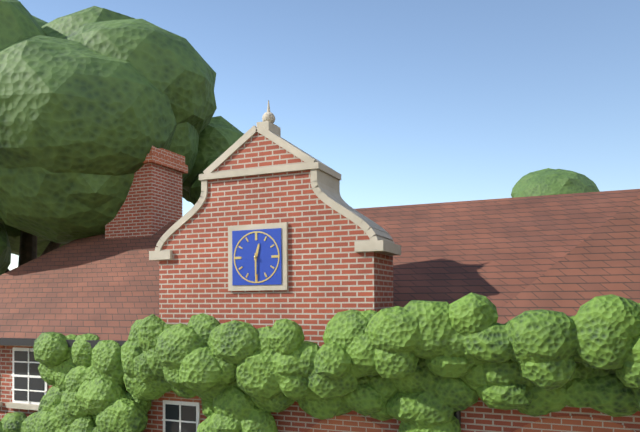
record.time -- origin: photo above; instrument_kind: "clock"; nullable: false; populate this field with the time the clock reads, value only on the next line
12:30
